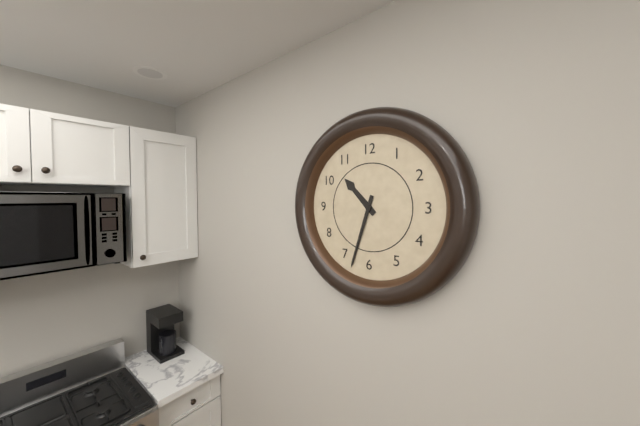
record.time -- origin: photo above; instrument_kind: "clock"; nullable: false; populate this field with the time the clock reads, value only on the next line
10:33
